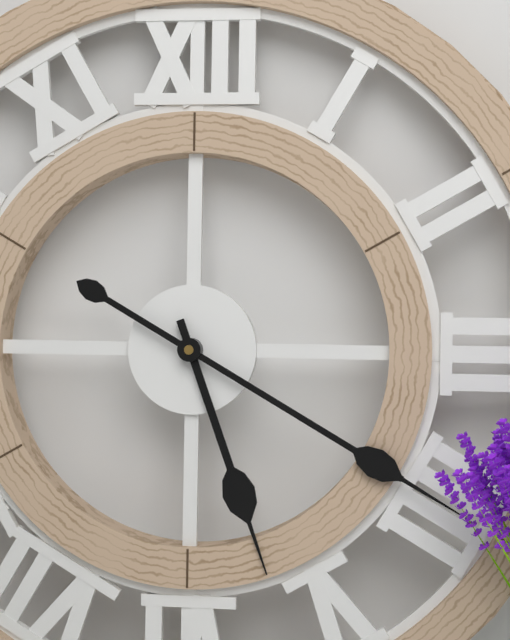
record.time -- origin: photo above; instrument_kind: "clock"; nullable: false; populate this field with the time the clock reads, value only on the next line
5:20
